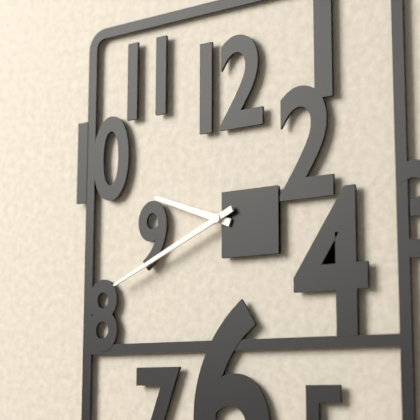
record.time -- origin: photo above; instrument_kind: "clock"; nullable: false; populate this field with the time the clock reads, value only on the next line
9:41
